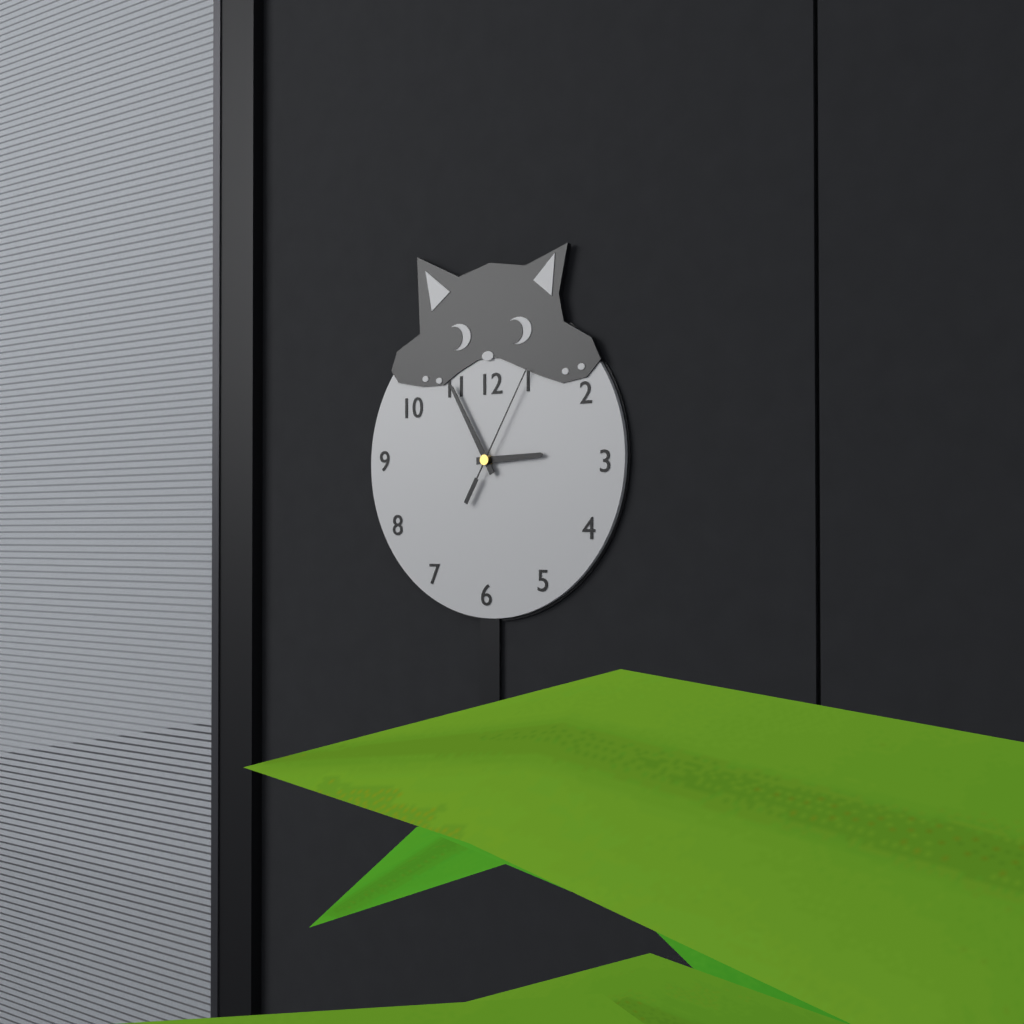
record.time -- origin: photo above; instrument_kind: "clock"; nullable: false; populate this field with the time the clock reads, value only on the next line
2:55:05
